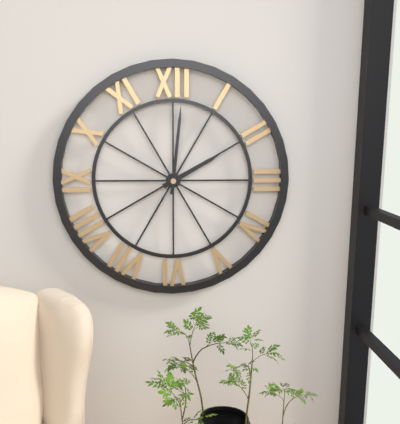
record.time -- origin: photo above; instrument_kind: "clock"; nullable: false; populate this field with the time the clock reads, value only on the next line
2:01
